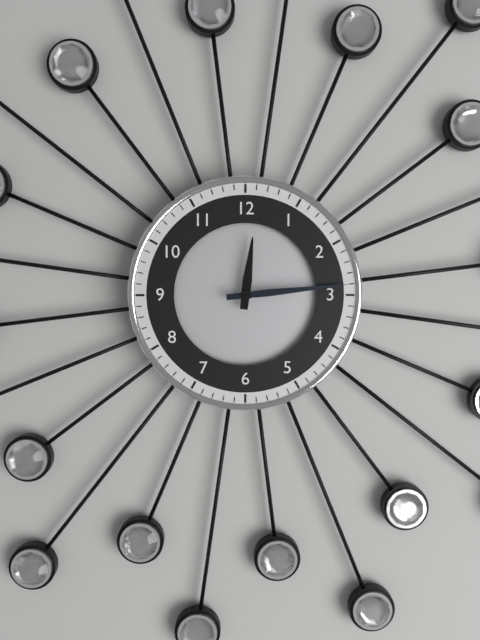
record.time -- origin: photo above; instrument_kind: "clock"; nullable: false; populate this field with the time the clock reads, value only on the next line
12:14
